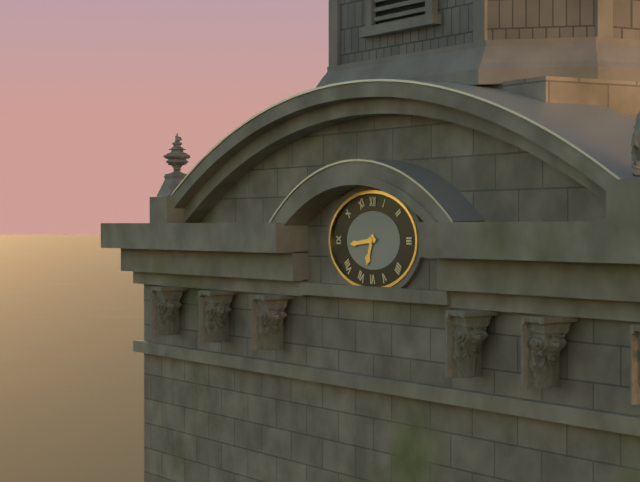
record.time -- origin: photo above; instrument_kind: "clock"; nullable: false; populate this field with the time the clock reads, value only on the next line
6:44
